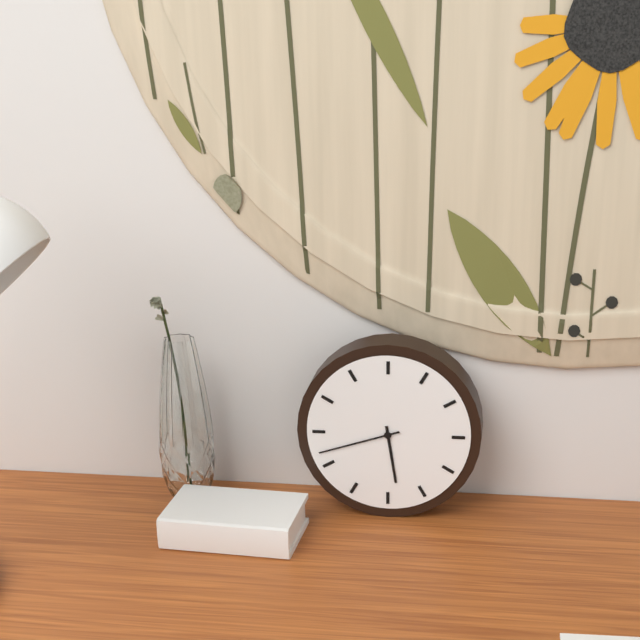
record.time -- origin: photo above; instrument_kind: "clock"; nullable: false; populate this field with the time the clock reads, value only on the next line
5:42
